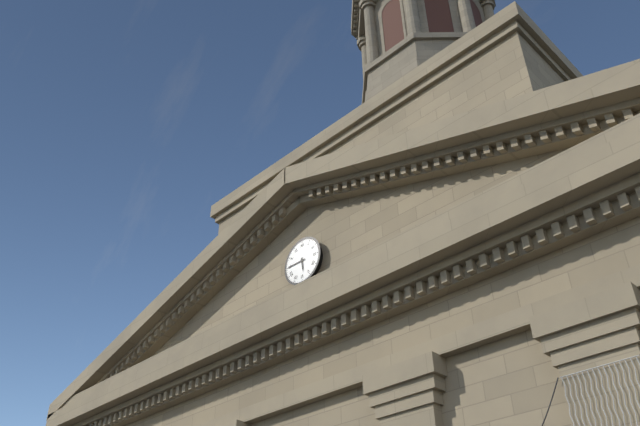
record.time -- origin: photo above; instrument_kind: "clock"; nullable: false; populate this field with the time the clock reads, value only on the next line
5:45
